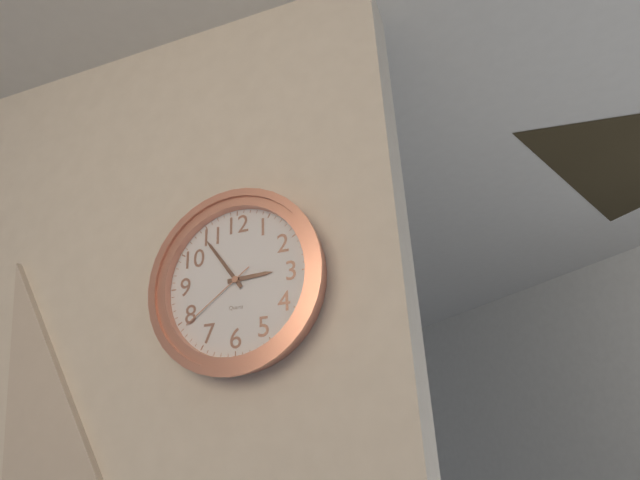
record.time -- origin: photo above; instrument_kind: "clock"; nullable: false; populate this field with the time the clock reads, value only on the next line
2:54:39
